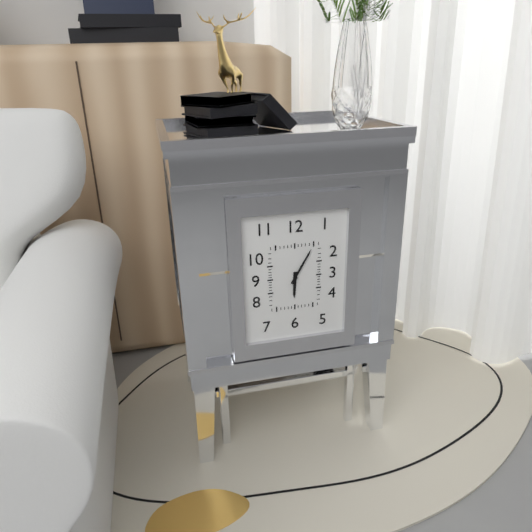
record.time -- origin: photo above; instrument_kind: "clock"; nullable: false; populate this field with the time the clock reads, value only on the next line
6:05
